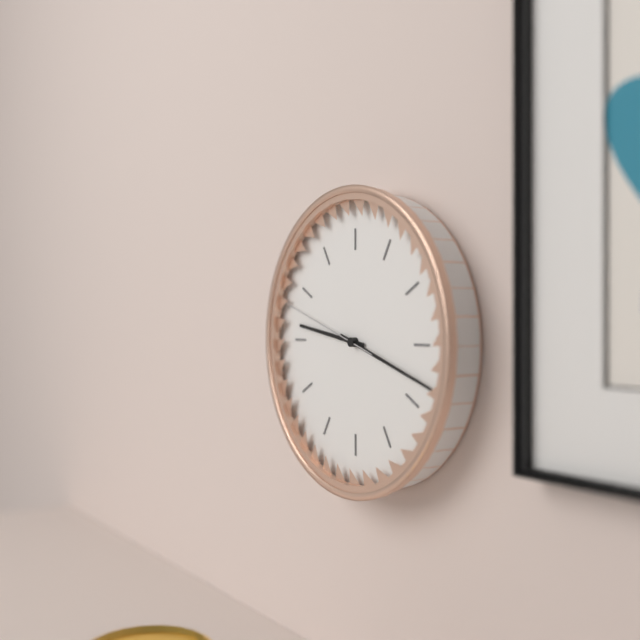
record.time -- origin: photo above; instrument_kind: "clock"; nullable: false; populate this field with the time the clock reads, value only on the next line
9:18:48
